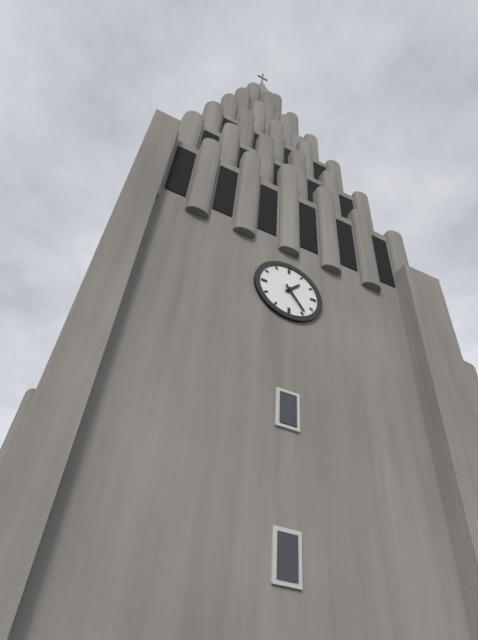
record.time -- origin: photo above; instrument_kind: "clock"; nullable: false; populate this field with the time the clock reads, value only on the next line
1:24
